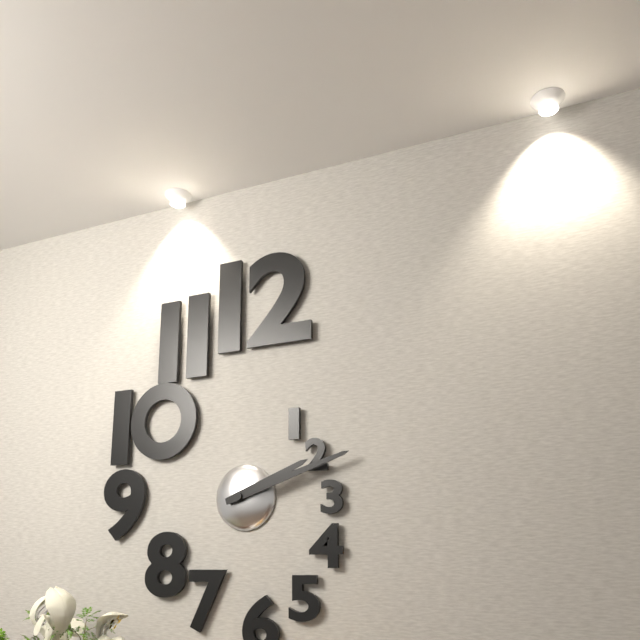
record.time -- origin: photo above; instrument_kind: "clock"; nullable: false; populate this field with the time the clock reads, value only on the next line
2:12
